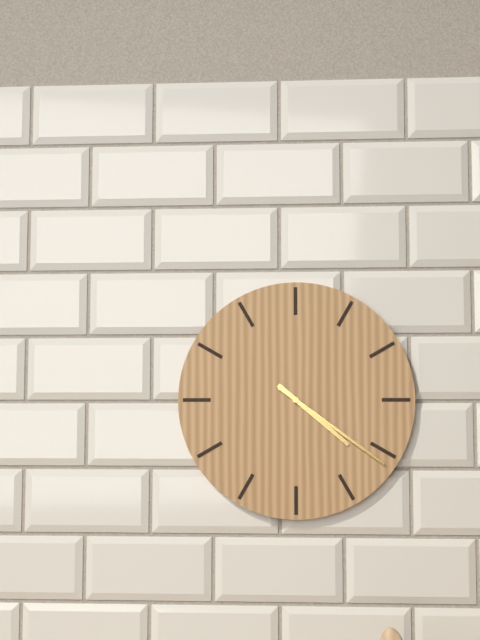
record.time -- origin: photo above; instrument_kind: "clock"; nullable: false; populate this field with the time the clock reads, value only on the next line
4:21
